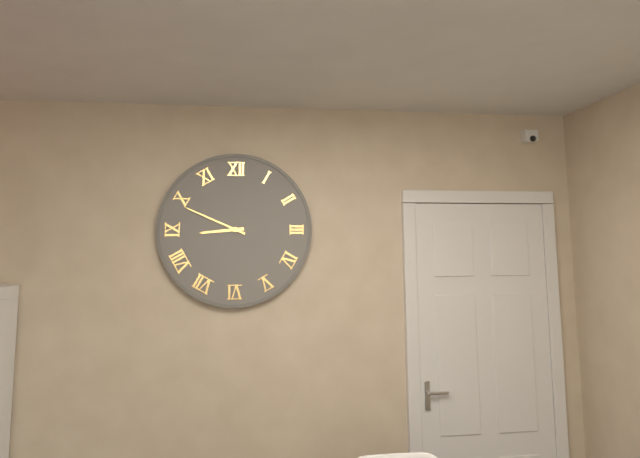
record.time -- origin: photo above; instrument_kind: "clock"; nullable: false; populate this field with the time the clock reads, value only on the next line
8:49
